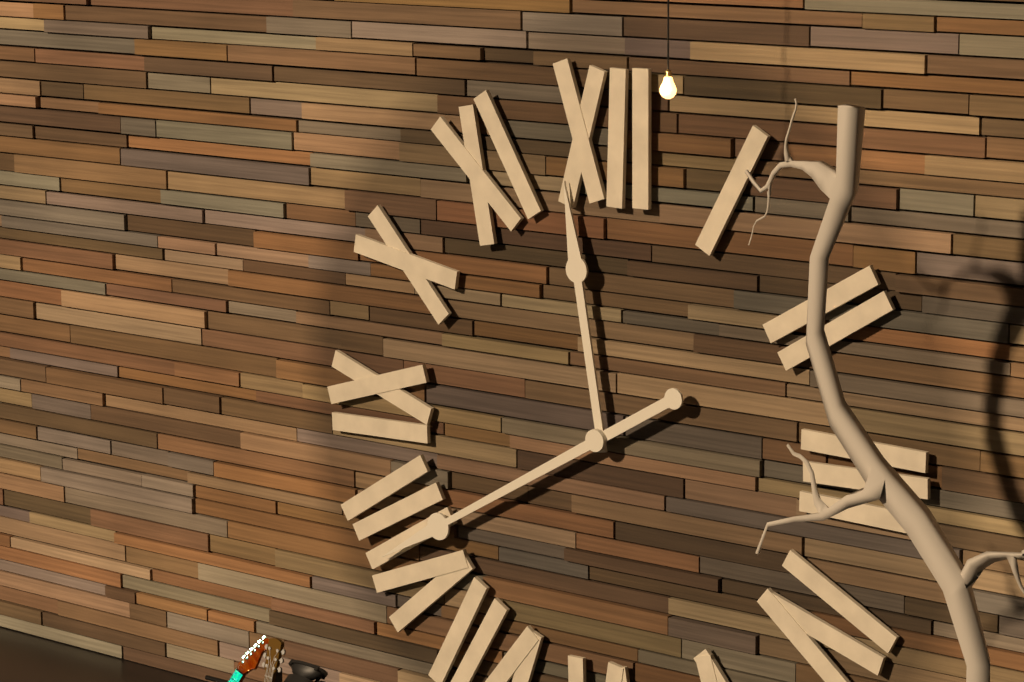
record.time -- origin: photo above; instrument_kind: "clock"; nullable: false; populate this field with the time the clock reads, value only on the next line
11:40
